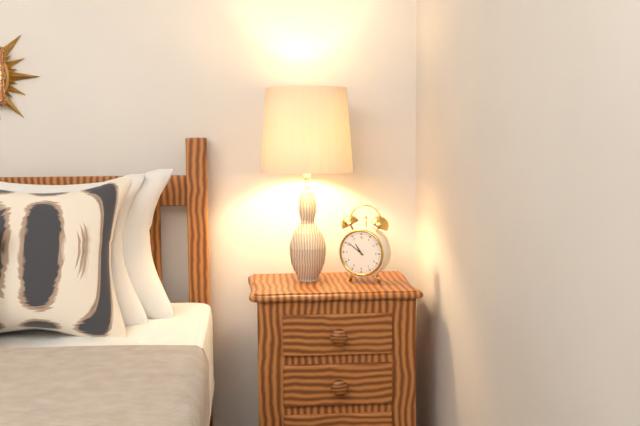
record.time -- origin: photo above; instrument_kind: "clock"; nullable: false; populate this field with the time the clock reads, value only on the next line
10:51
